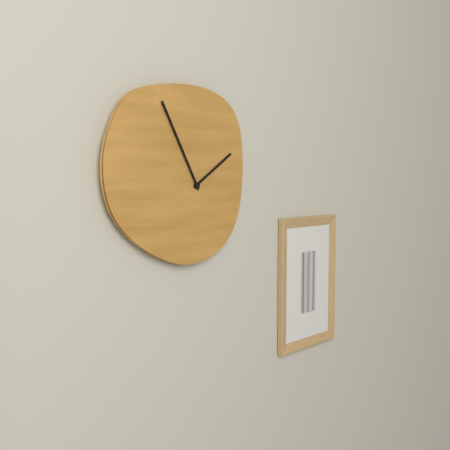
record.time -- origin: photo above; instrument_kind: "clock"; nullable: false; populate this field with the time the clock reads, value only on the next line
1:55
